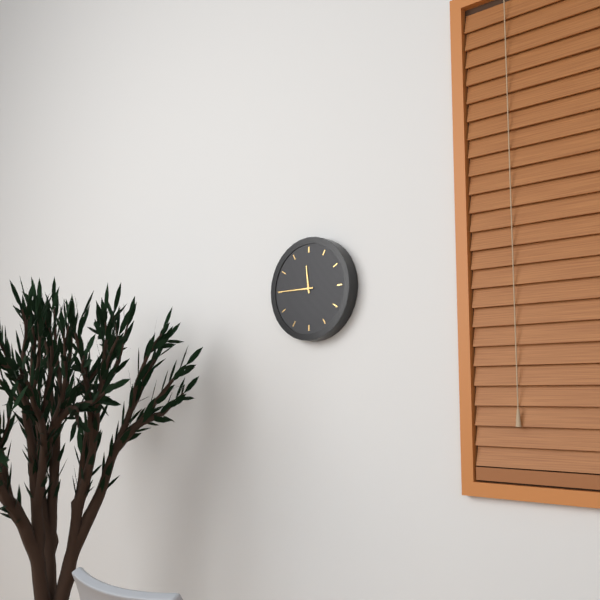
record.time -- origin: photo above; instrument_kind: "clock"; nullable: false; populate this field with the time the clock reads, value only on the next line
11:45
